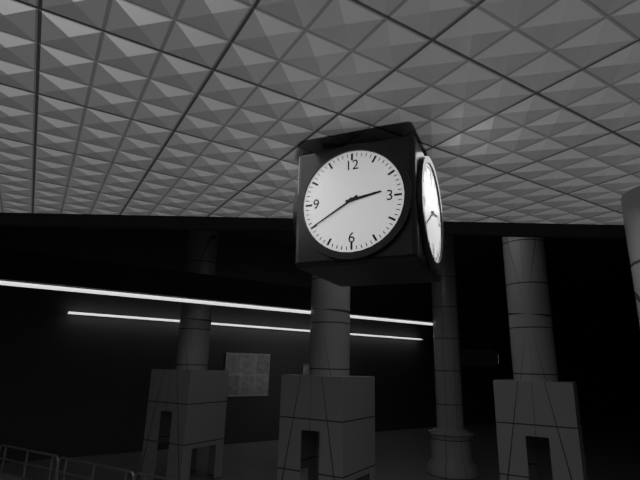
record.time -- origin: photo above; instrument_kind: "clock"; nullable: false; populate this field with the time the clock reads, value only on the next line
2:40
